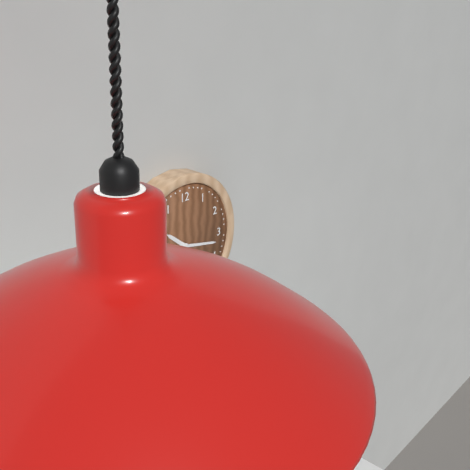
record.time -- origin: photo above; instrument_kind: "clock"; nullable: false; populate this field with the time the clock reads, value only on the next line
10:17
